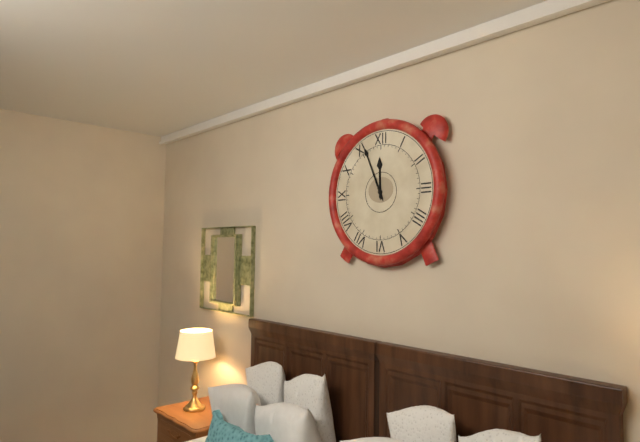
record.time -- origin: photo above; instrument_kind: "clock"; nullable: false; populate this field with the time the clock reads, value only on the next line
11:56
